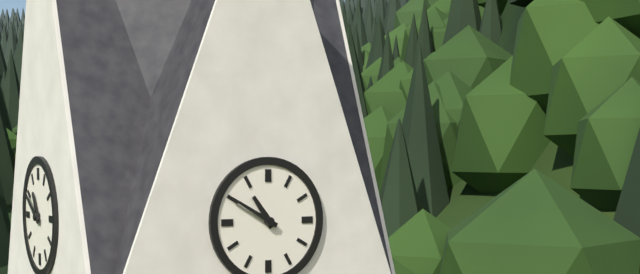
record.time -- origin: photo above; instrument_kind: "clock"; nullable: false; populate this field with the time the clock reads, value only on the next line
10:50
